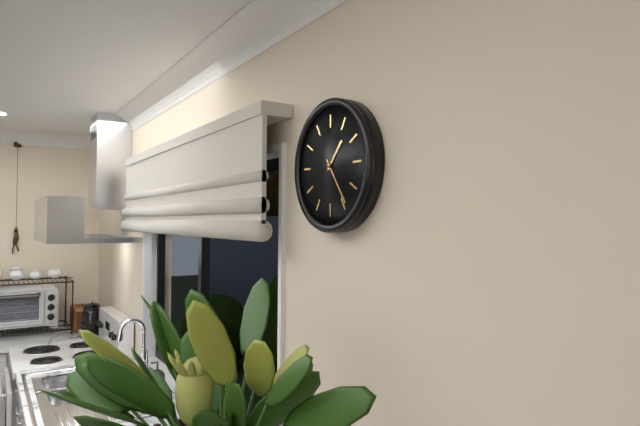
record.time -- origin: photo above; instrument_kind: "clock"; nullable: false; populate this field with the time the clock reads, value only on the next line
1:24
